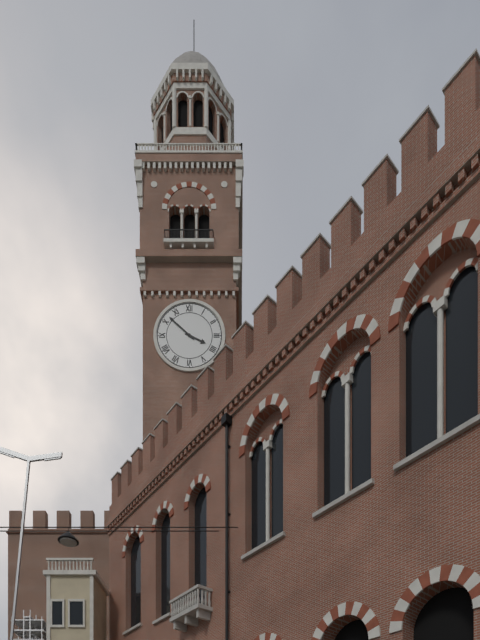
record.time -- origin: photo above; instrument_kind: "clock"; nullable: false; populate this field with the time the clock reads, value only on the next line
3:52
